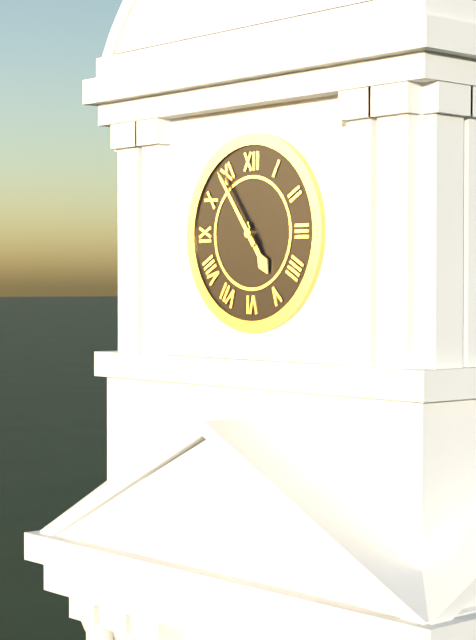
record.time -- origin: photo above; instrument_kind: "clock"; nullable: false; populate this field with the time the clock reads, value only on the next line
4:54
